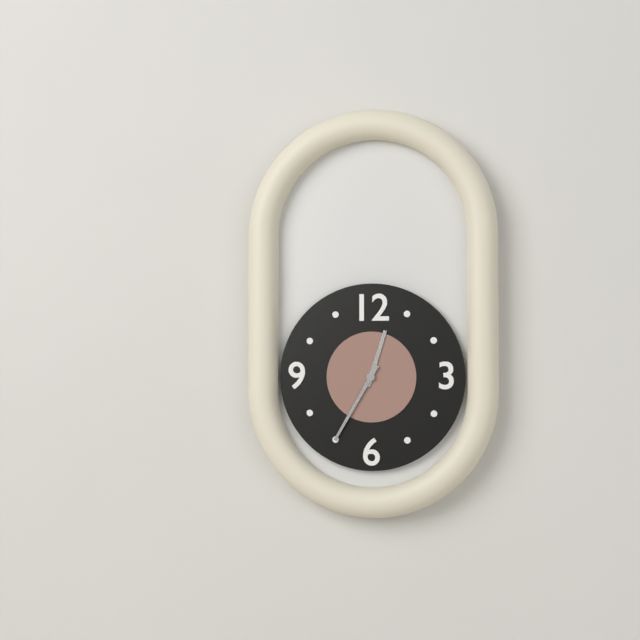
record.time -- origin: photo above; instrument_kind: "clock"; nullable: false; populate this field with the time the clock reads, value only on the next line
12:35
